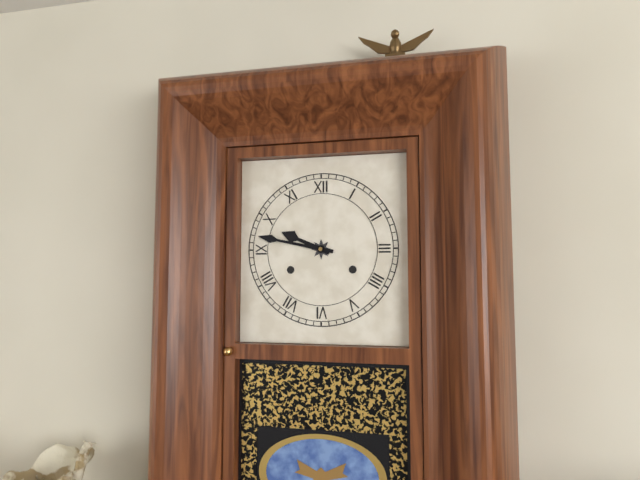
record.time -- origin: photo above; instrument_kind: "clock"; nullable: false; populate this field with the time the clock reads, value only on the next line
9:47
